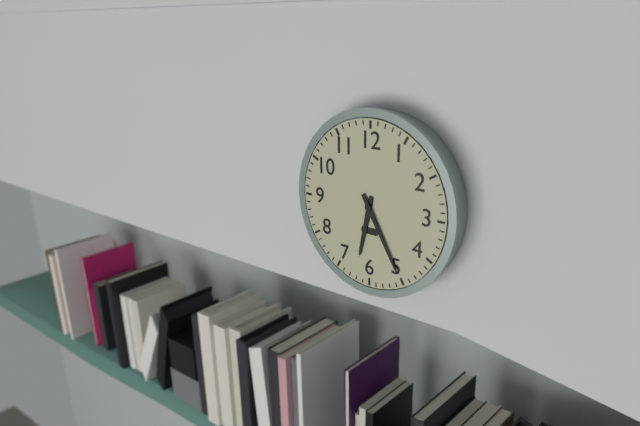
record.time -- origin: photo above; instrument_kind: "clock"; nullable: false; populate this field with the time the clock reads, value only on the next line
6:25
